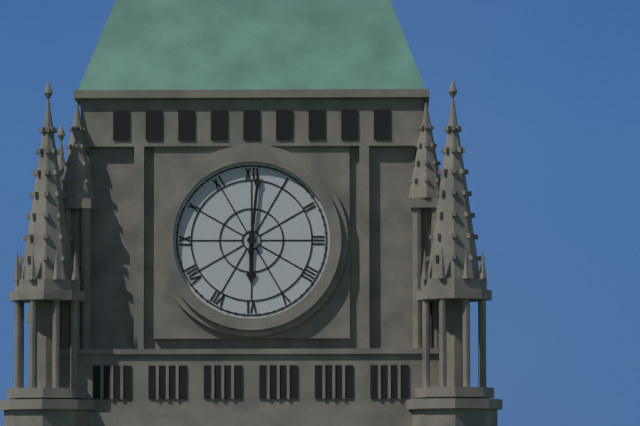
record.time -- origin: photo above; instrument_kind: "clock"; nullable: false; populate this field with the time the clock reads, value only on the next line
6:01
